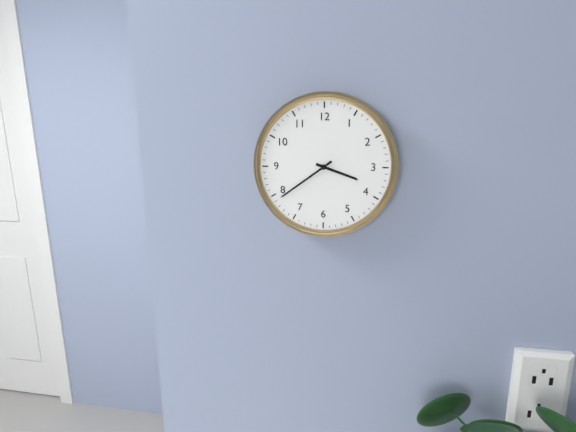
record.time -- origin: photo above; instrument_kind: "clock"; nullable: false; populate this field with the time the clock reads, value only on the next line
3:39
